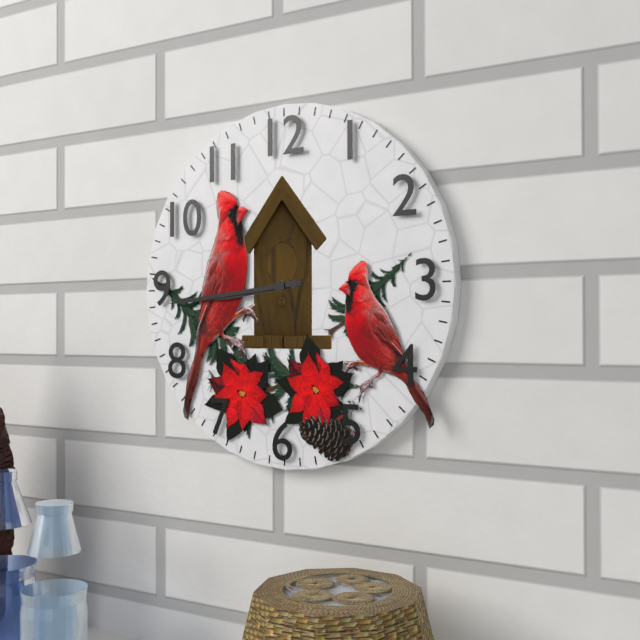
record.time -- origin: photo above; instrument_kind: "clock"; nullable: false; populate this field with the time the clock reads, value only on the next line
8:44
